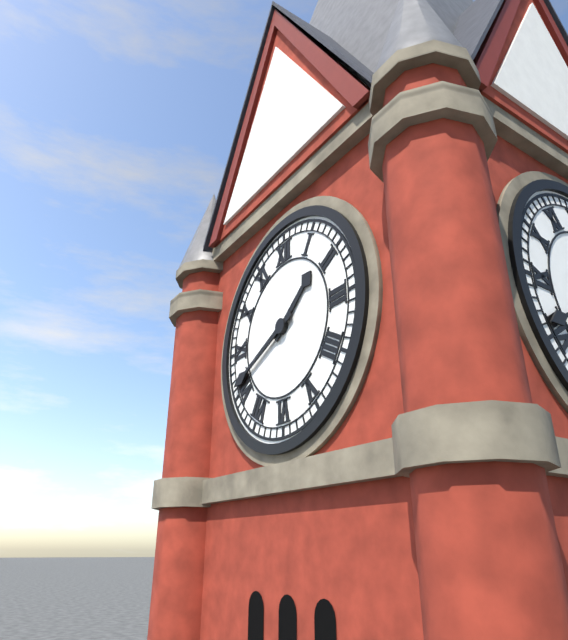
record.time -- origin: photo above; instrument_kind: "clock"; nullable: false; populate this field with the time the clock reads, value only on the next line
1:41
